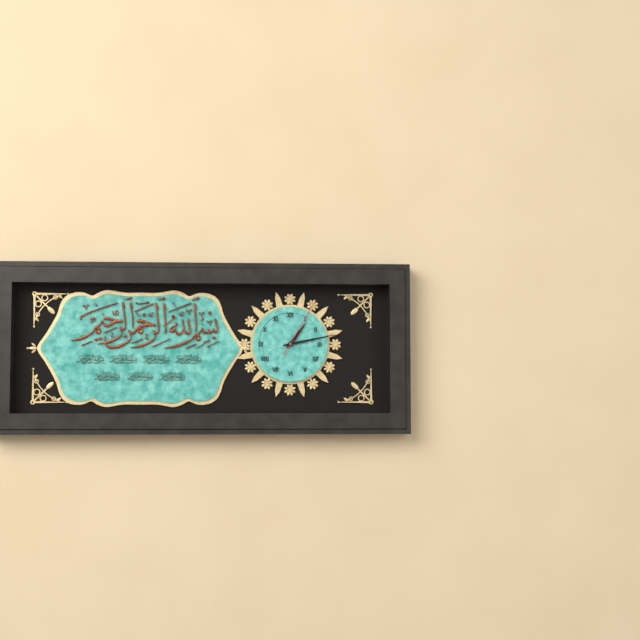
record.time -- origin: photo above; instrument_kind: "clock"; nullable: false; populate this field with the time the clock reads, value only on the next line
1:13:05
